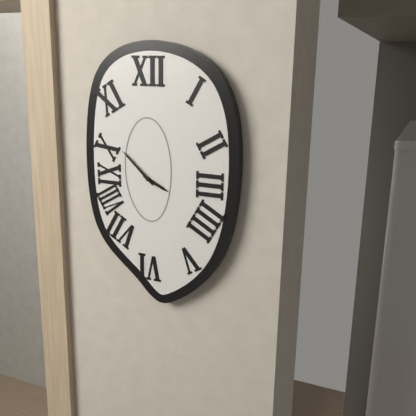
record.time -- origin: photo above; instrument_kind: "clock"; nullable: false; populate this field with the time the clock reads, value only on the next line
3:52
